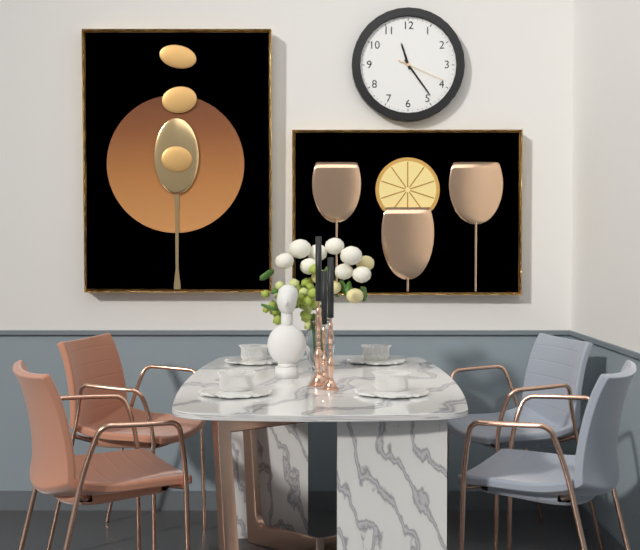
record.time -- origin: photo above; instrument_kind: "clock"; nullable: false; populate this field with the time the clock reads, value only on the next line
11:24:19
